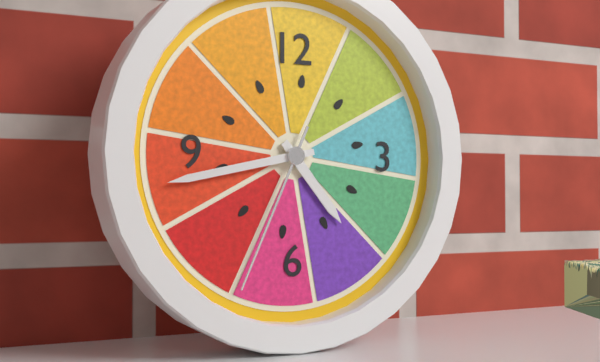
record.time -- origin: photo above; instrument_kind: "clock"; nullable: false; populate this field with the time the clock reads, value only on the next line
4:43:34
